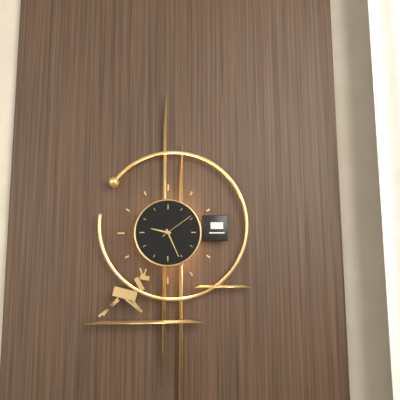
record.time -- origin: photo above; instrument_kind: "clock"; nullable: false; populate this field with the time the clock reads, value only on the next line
9:26
